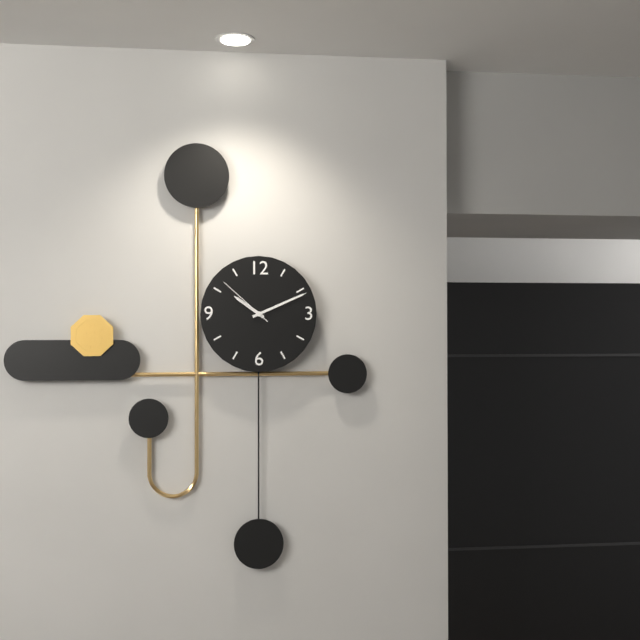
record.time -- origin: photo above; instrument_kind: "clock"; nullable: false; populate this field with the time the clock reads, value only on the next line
10:11:52
